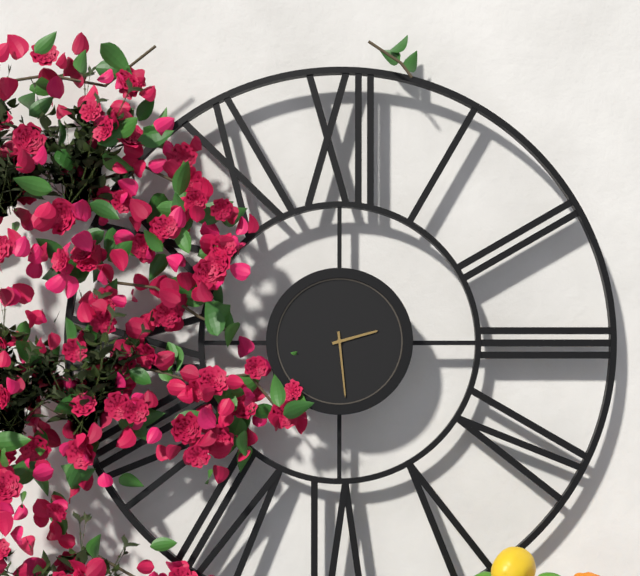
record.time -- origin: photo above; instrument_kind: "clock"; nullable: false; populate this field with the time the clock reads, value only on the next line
2:29
